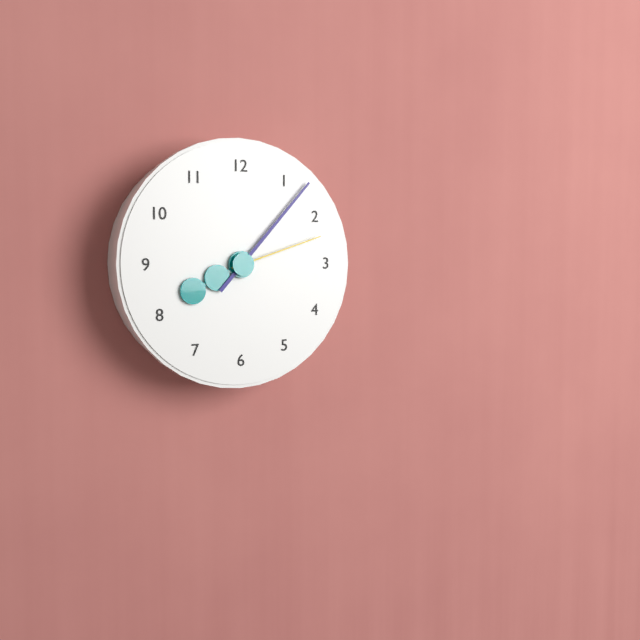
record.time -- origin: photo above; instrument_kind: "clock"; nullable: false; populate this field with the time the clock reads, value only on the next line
8:07:12
